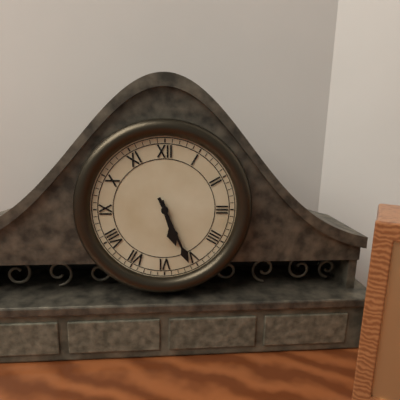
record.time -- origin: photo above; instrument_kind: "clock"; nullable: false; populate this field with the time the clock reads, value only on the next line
5:26
